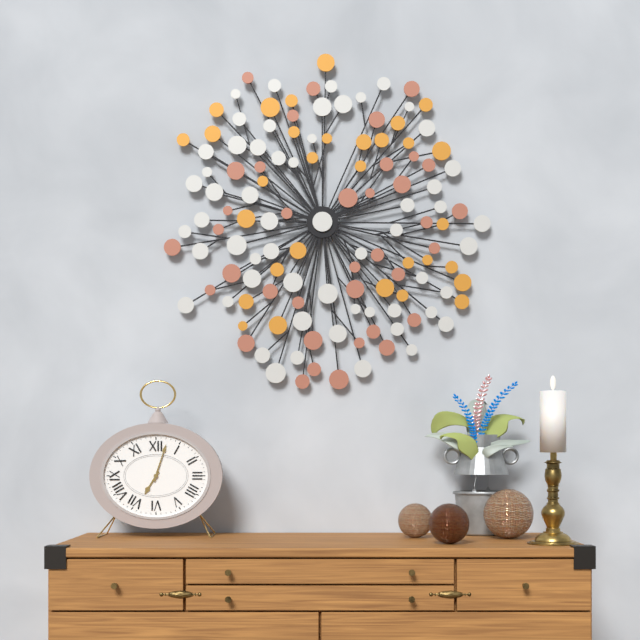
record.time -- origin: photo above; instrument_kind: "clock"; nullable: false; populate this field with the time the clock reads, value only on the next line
7:03
